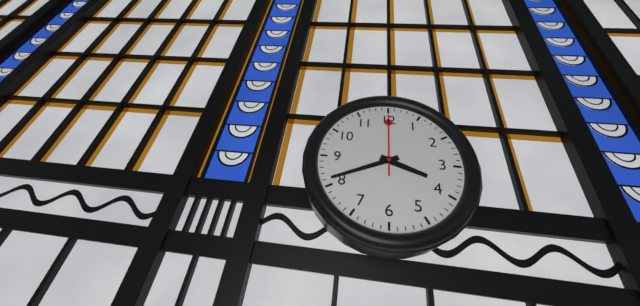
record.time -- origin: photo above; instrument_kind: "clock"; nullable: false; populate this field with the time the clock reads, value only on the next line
3:41:00
